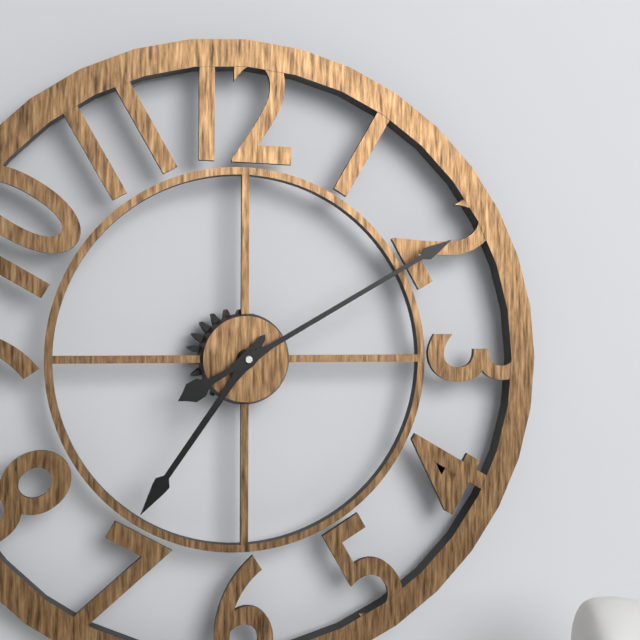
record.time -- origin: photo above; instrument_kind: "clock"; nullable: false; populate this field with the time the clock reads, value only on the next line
7:10
